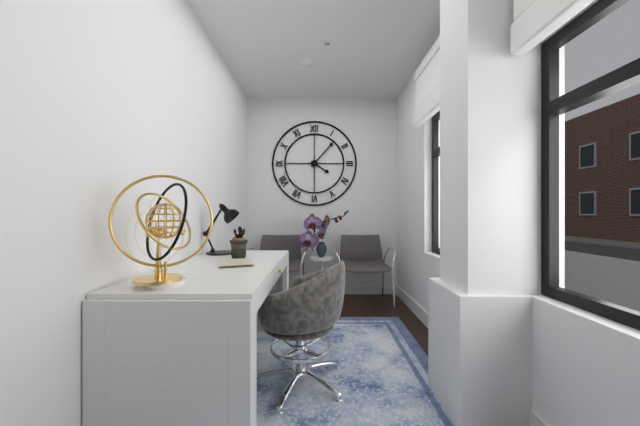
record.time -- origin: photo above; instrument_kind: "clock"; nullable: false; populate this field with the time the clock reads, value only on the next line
4:07
